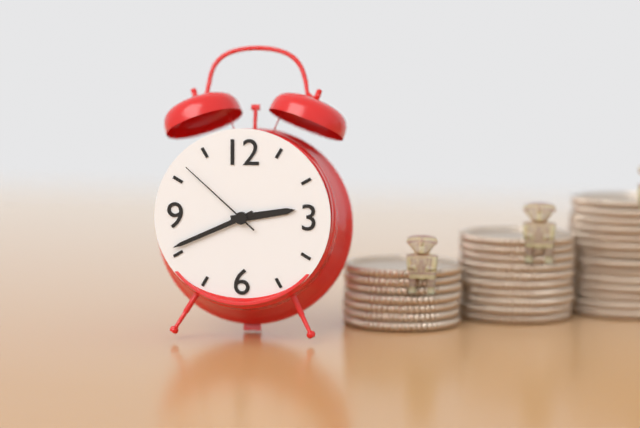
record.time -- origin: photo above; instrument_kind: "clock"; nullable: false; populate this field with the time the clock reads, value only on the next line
2:41:52
